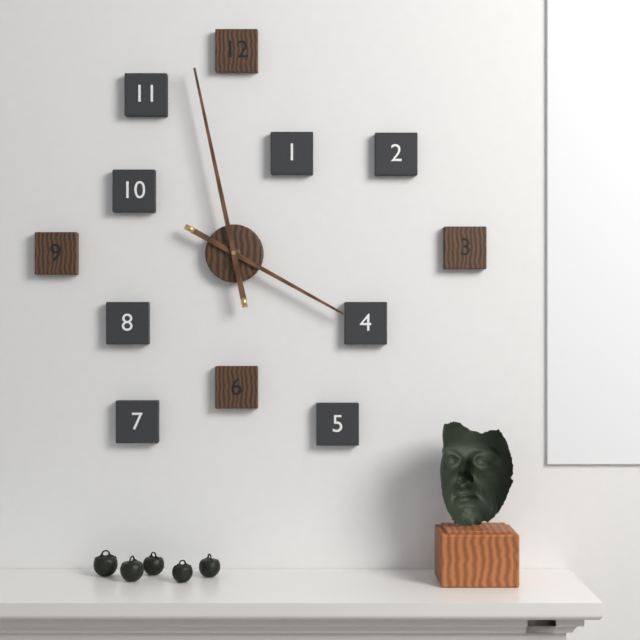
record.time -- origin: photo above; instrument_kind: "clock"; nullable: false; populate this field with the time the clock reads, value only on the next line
3:58
